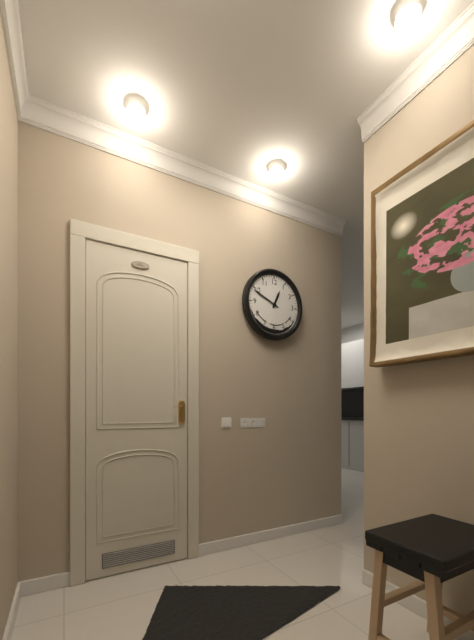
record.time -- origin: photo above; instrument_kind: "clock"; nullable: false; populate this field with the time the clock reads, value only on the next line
12:49
